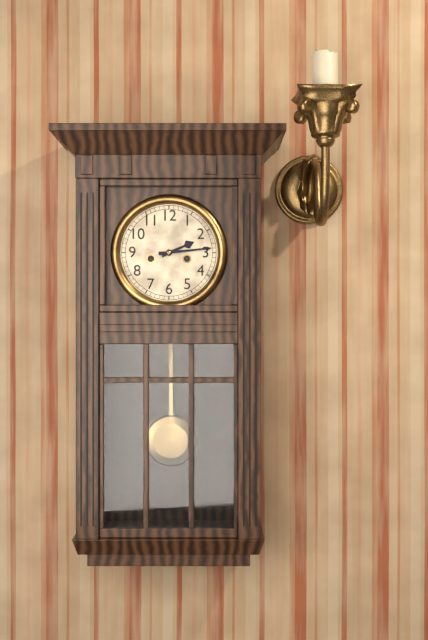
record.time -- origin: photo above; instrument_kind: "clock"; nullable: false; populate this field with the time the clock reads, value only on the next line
2:14
